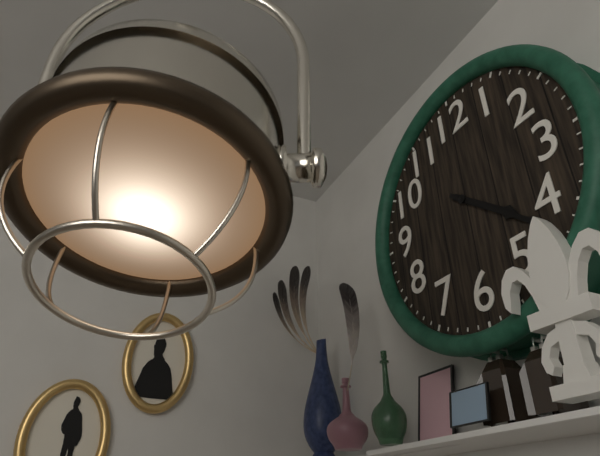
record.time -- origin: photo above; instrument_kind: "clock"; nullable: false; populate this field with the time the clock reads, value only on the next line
4:22
